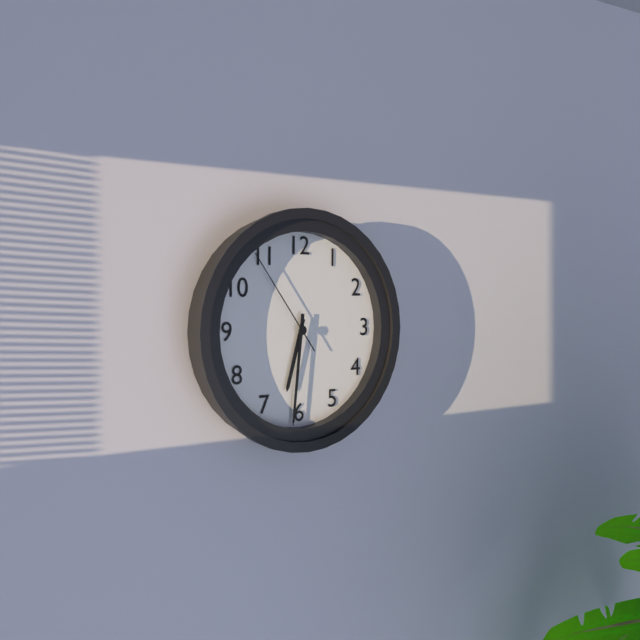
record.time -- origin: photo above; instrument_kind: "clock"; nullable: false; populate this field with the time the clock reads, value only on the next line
6:31:54
